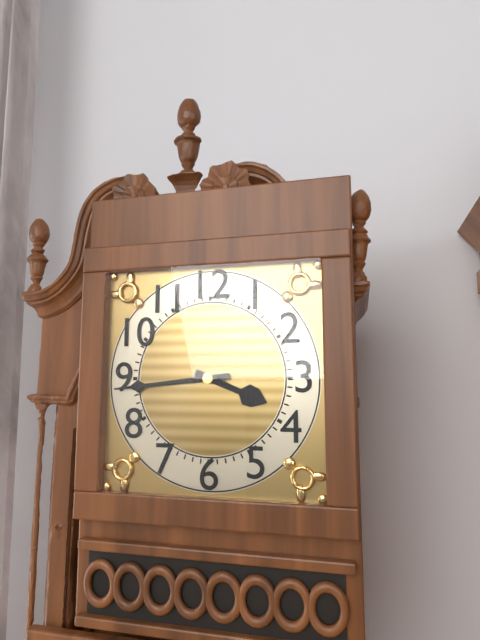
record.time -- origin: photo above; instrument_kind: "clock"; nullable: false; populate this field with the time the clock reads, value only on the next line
3:44
